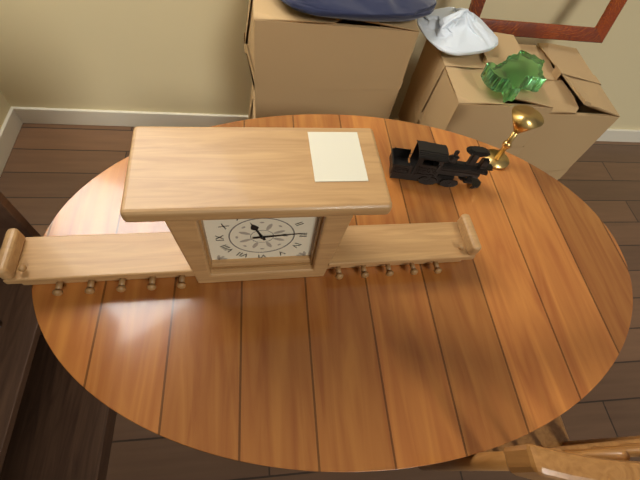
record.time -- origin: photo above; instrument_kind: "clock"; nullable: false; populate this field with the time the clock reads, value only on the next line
11:14
